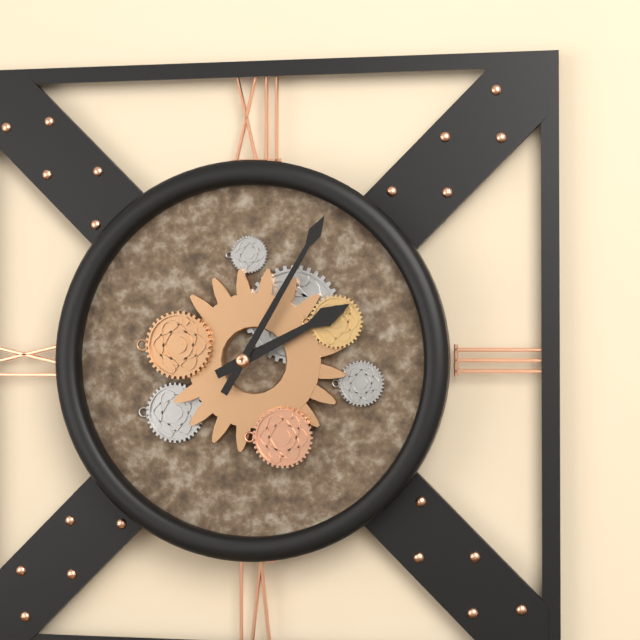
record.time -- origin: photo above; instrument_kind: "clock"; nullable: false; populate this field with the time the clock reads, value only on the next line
2:05
